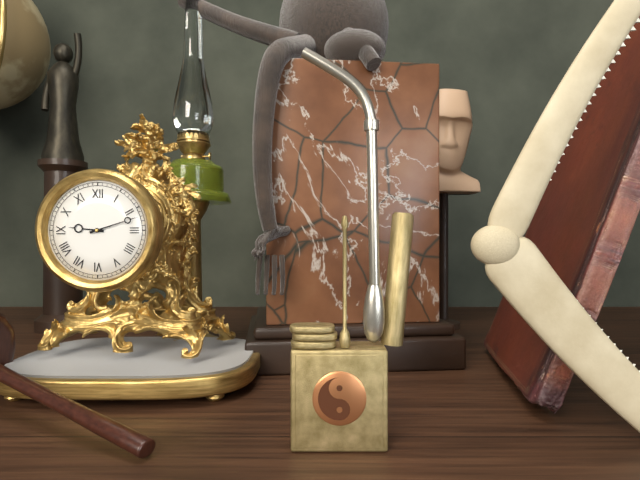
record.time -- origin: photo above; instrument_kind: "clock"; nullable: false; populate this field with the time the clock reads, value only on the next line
9:12
